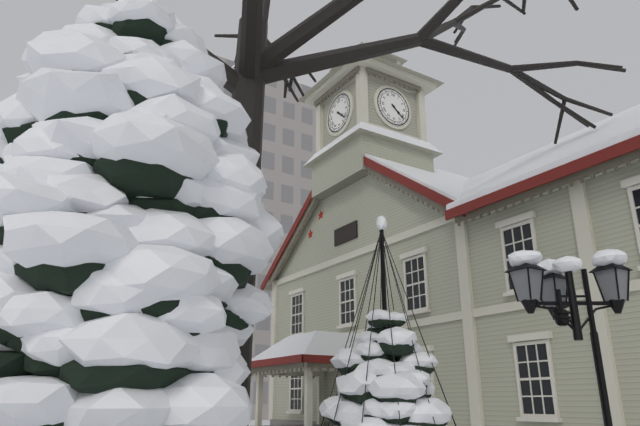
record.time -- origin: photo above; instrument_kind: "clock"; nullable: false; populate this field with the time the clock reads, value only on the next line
4:22
